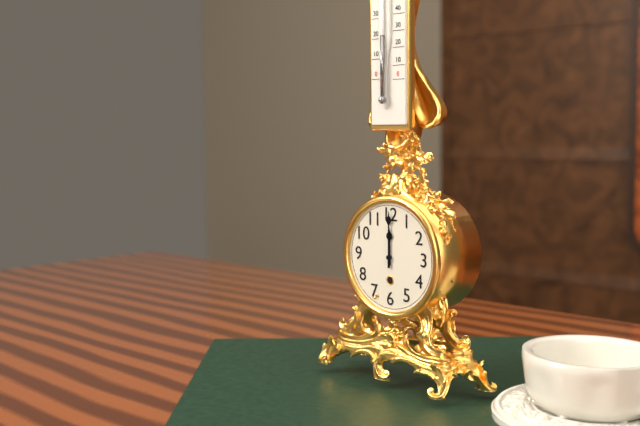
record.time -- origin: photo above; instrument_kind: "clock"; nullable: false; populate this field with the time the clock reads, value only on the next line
12:00
